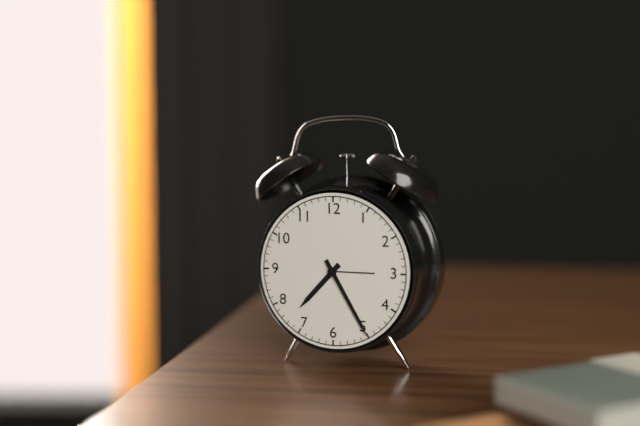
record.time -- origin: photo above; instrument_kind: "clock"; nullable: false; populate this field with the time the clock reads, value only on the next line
7:25
